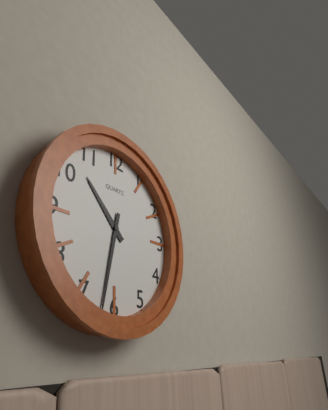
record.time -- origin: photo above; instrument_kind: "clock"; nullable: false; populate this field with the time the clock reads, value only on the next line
10:32
